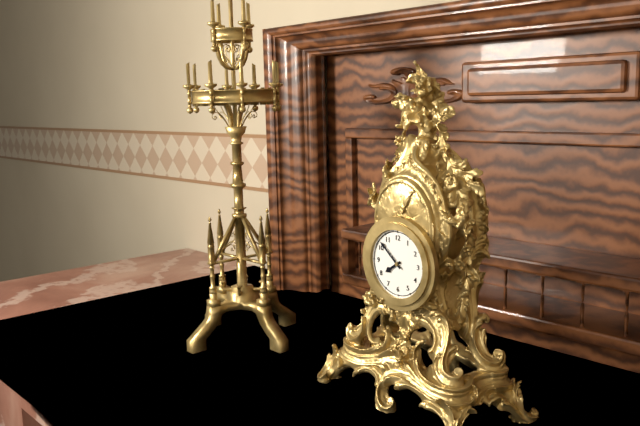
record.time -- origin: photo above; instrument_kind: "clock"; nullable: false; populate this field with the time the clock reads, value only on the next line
7:52
